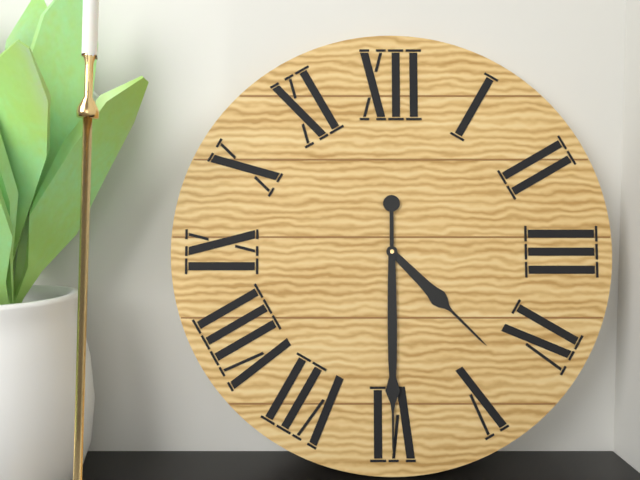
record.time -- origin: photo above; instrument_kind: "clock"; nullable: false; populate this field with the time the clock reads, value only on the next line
4:30
